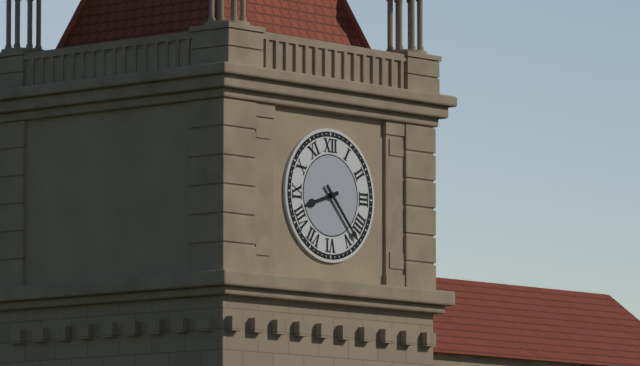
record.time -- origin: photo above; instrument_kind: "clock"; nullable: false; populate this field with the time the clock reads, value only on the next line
8:23
